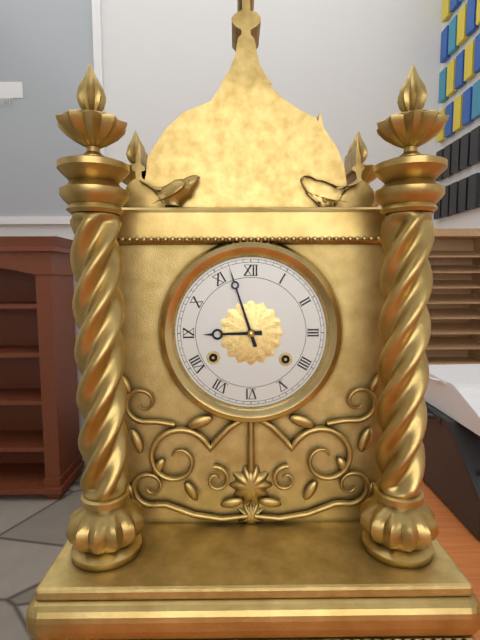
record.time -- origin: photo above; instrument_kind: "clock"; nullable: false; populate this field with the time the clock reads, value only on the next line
8:57
